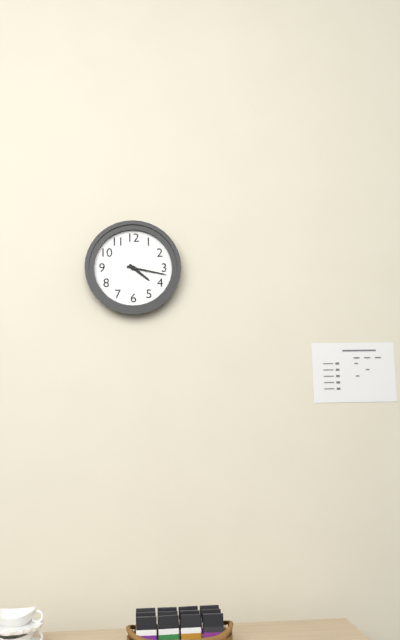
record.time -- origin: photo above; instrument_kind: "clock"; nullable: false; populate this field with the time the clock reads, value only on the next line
4:17
